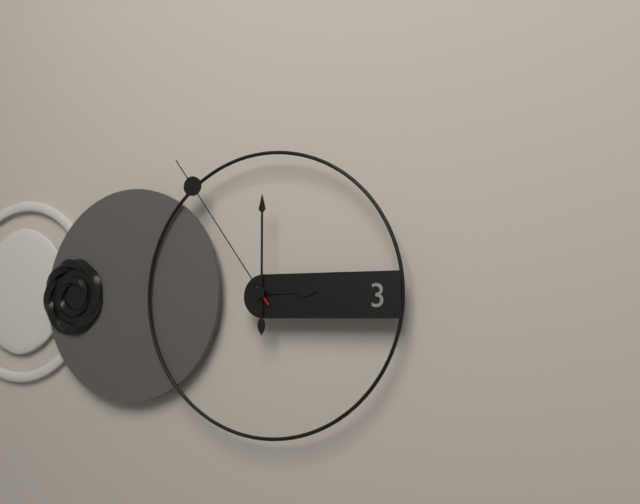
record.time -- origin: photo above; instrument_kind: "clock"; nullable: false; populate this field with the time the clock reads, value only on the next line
3:00:54
